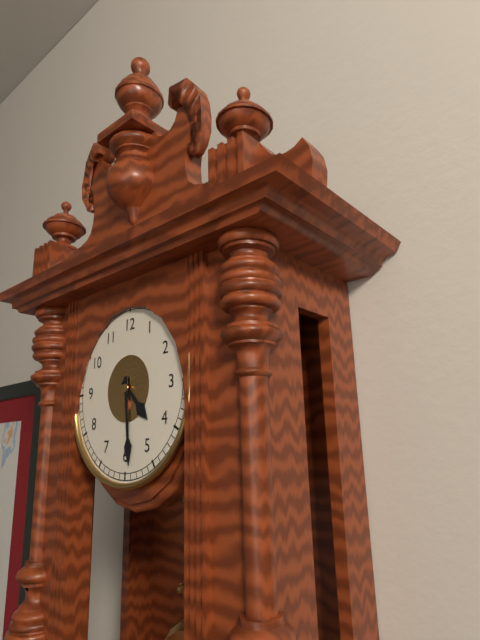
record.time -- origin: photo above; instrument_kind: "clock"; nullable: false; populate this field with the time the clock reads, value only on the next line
4:29
